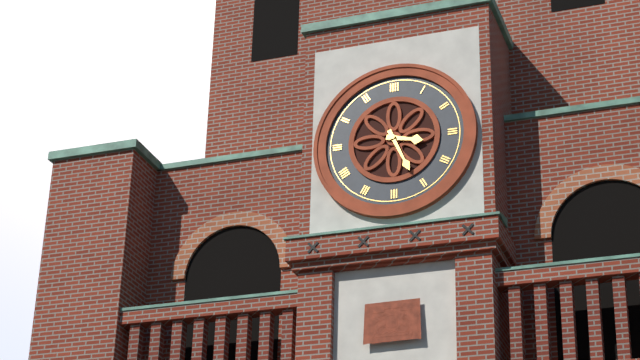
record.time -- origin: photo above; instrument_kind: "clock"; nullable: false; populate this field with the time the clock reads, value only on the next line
3:26
